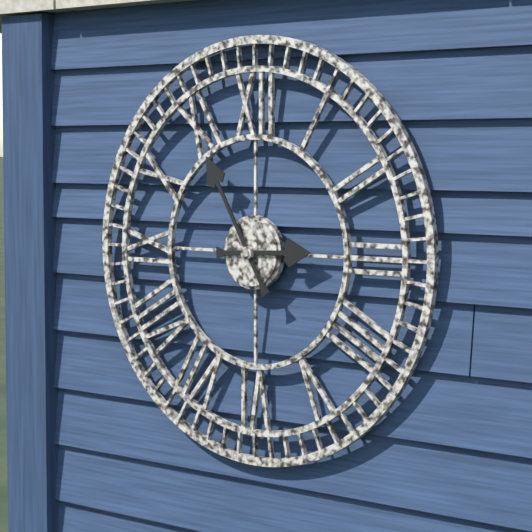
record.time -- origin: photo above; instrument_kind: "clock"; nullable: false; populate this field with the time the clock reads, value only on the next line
2:55
